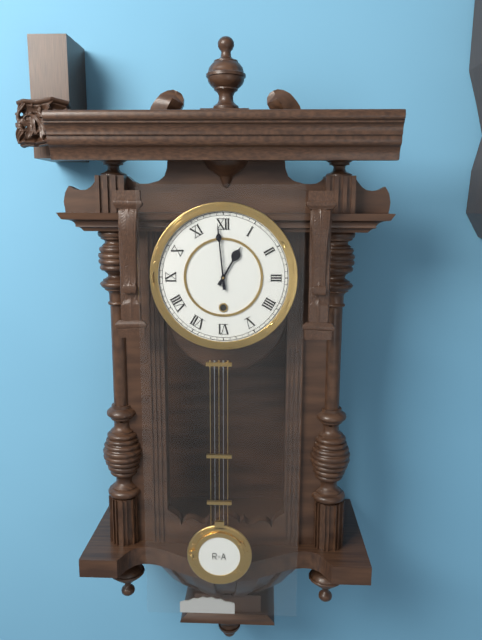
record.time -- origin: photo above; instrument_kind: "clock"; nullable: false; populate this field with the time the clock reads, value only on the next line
12:59
